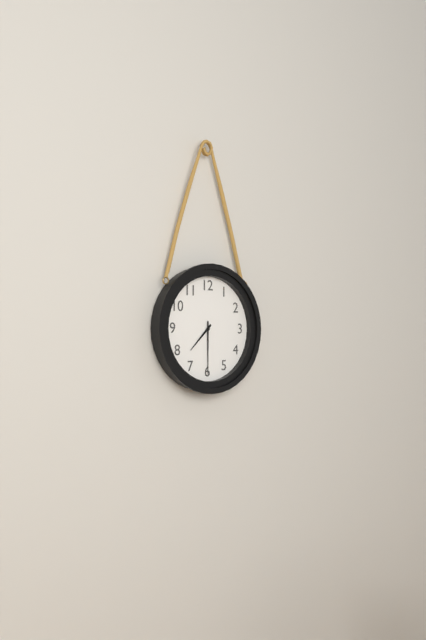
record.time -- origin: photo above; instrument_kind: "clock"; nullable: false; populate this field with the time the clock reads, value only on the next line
7:30
